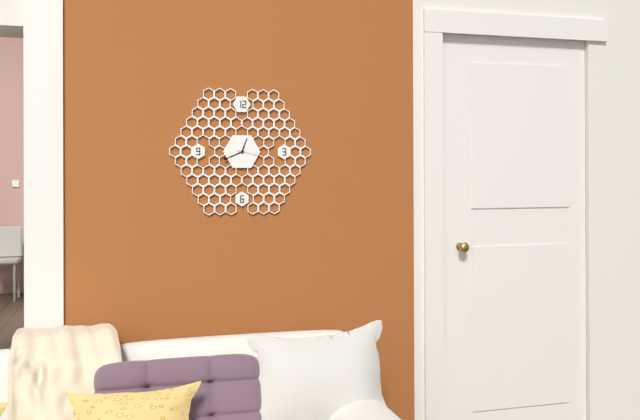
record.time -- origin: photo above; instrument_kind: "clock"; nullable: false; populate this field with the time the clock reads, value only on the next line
12:41
